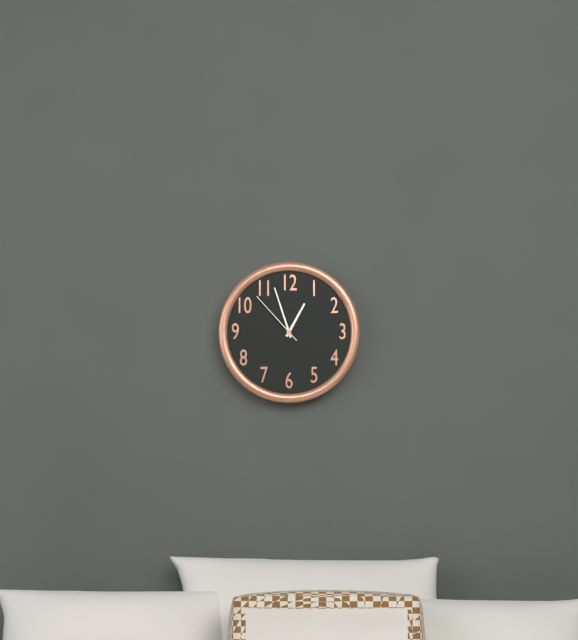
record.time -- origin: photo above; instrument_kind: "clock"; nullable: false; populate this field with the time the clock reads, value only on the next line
12:57:53
